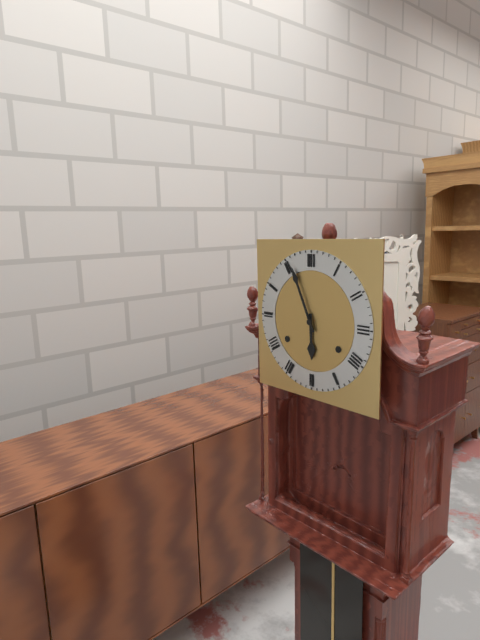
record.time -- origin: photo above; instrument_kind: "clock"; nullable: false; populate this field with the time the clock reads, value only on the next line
5:56
